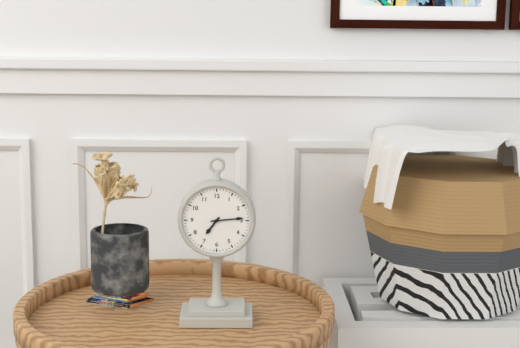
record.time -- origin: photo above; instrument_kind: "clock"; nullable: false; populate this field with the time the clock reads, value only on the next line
7:14
